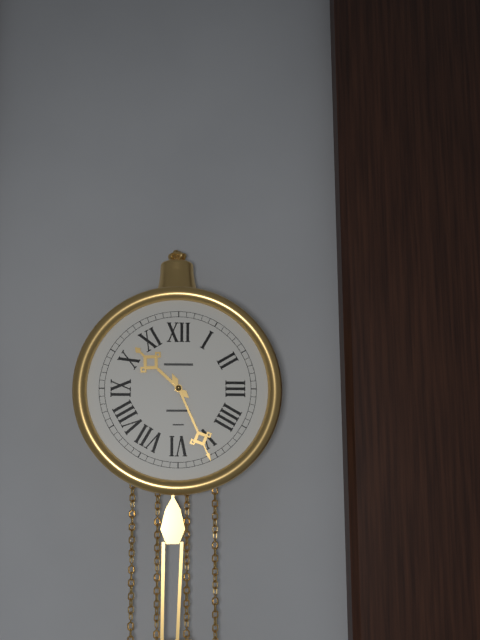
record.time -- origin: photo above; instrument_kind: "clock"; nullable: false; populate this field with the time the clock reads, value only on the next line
10:26
